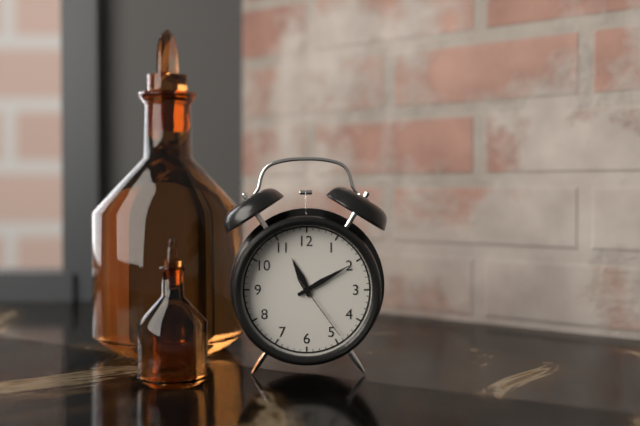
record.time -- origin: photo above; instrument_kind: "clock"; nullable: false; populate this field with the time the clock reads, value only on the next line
11:10:24
